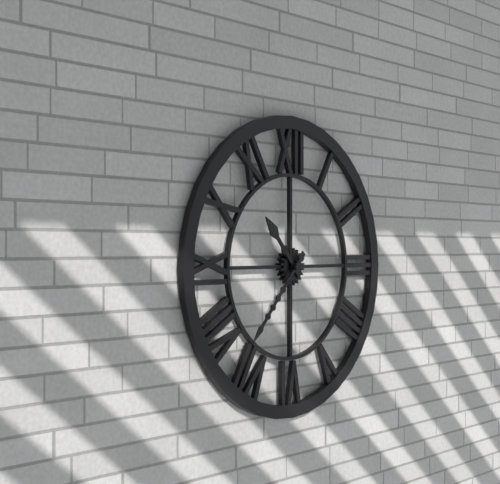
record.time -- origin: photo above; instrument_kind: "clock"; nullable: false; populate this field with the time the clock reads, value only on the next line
10:37
